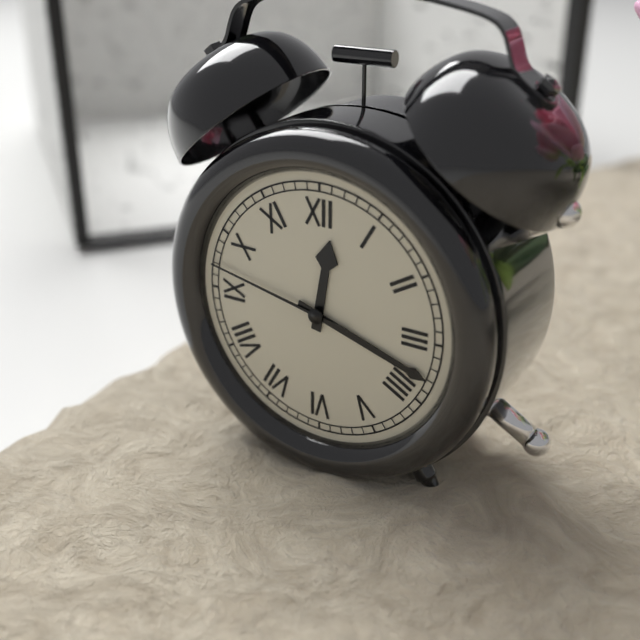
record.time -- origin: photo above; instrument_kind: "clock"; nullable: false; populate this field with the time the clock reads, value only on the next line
12:18:47
